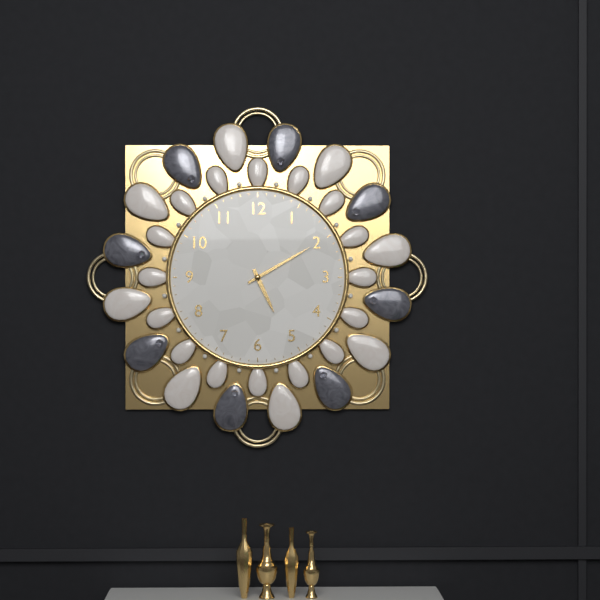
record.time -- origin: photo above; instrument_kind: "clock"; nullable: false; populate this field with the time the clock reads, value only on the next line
5:10
